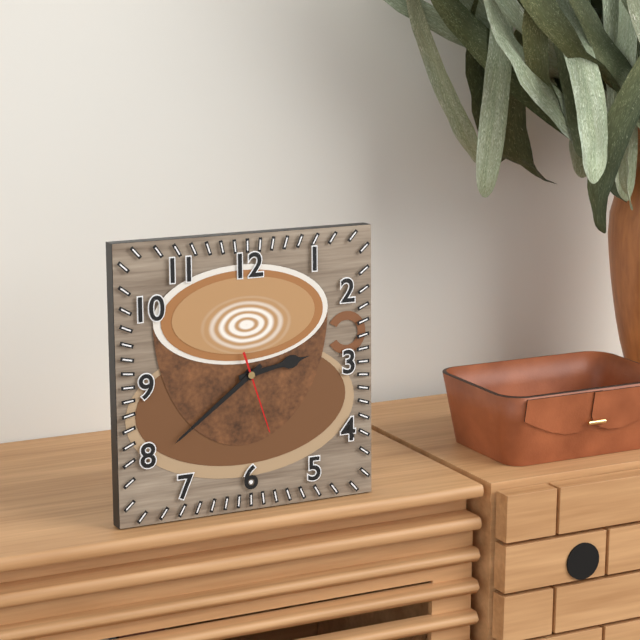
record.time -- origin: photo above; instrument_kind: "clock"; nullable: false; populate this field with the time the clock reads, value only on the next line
2:39:27
